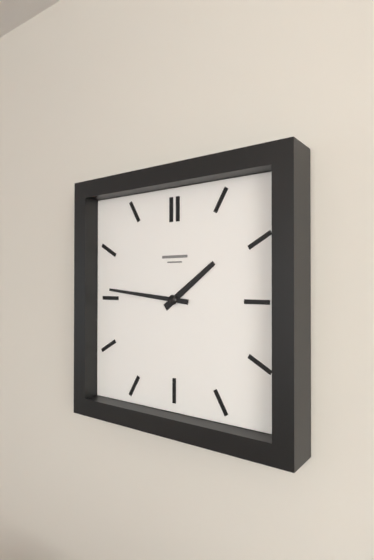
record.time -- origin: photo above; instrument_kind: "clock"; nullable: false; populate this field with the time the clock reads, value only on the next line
1:46
